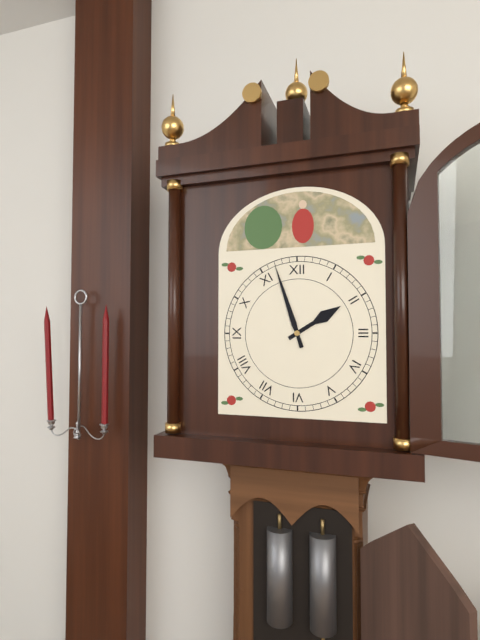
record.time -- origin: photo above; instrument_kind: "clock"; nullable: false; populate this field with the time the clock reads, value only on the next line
1:57
